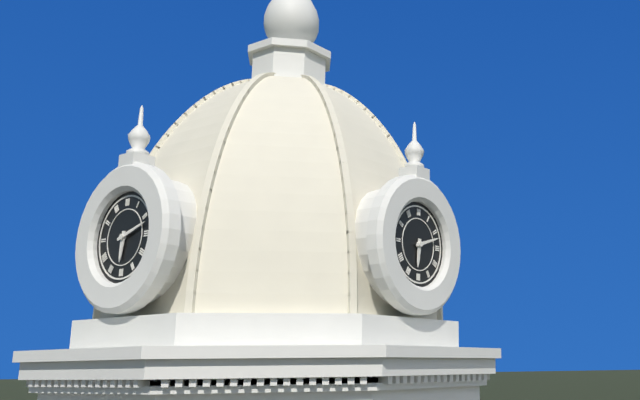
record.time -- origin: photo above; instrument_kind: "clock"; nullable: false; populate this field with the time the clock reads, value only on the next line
6:12
